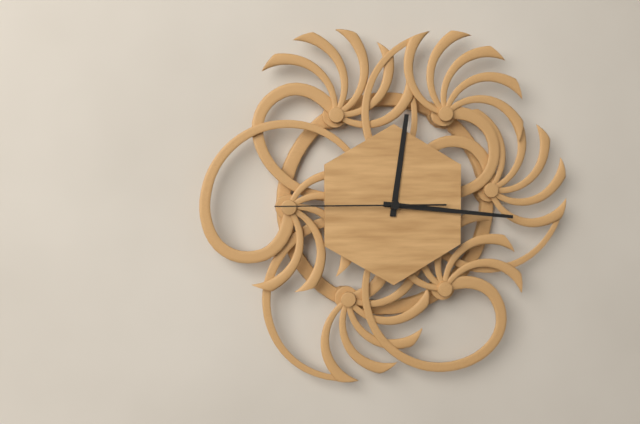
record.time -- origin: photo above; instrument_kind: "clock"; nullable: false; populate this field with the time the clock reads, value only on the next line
12:16:45
